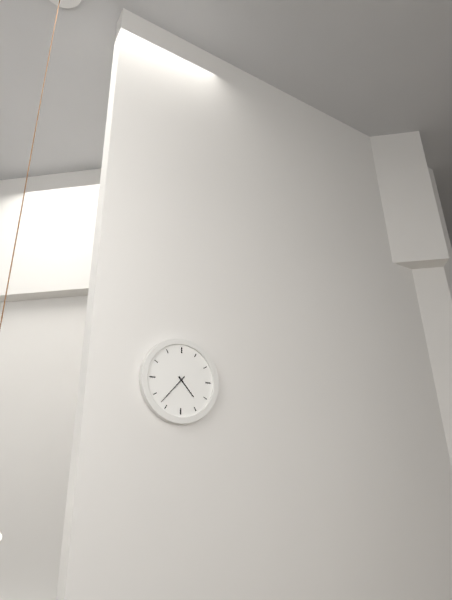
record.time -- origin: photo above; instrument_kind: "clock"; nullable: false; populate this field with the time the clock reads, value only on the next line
4:37
